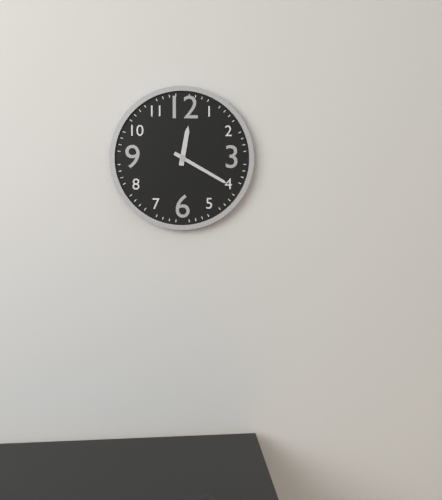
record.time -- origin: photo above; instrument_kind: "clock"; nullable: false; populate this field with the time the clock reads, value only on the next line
12:20
